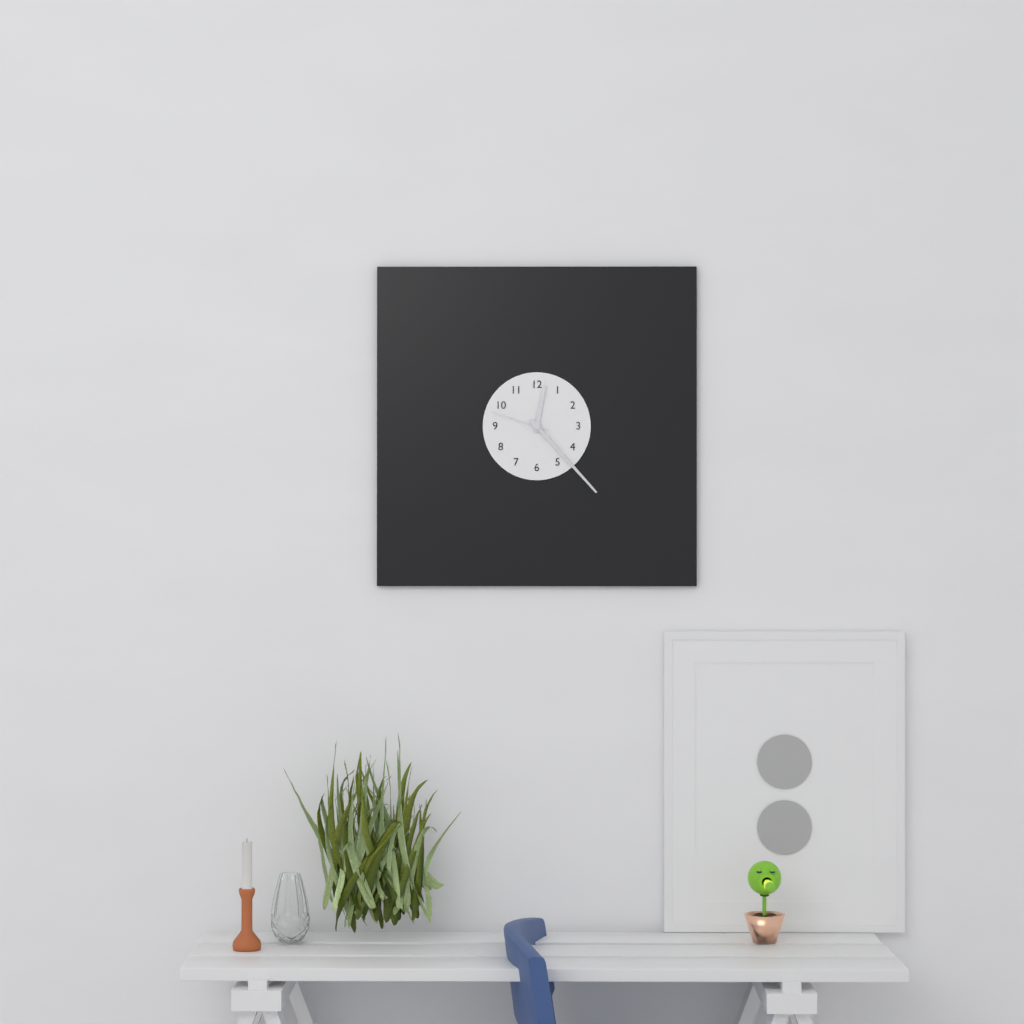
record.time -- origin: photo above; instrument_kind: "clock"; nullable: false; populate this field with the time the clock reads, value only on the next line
12:23:48
